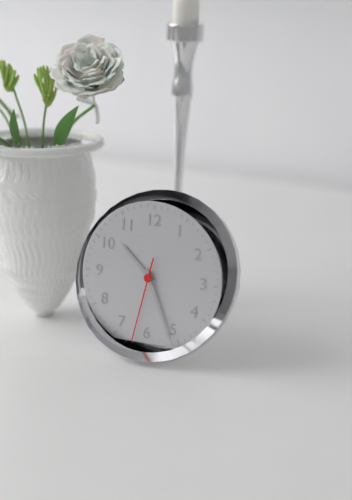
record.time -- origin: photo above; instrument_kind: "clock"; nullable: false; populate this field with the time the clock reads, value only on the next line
10:26:32
